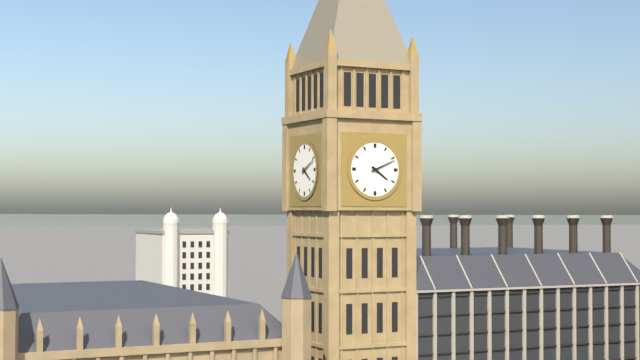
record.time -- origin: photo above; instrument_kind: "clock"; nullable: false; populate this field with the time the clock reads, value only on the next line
4:11
